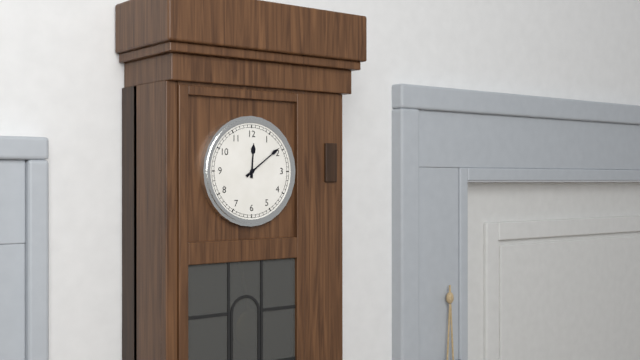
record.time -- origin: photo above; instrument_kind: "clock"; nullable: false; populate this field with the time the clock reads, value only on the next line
12:09
